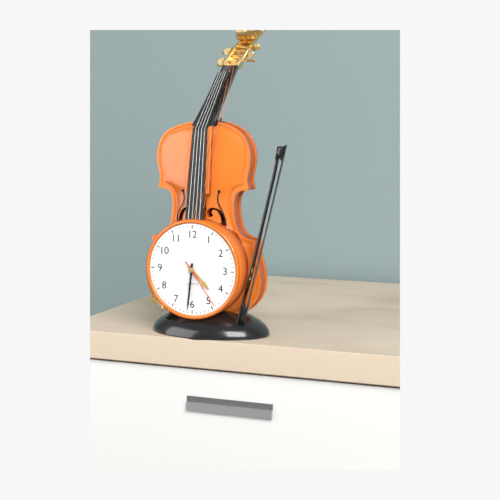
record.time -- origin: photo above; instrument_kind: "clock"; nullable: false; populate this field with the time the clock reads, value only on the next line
4:31:24
